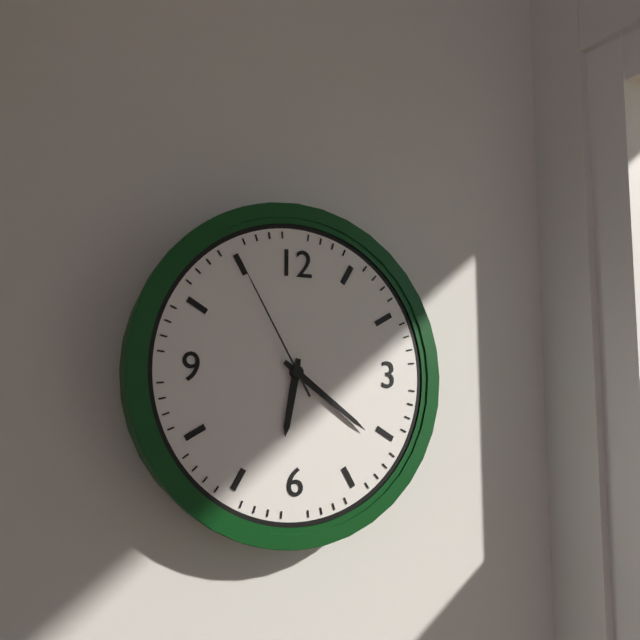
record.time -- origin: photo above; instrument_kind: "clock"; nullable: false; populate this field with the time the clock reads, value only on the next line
6:21:55
